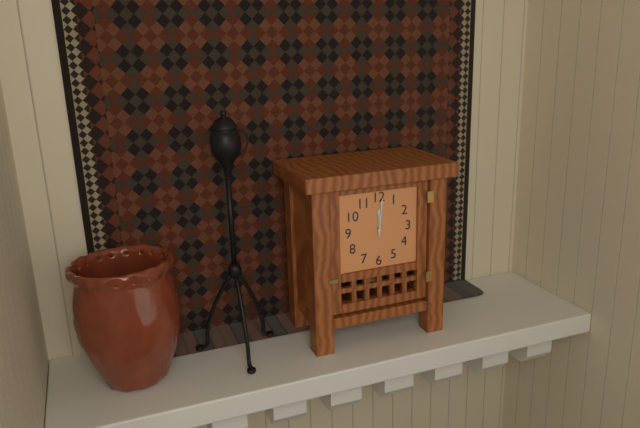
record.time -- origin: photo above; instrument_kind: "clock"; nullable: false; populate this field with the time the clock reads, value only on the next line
12:01
